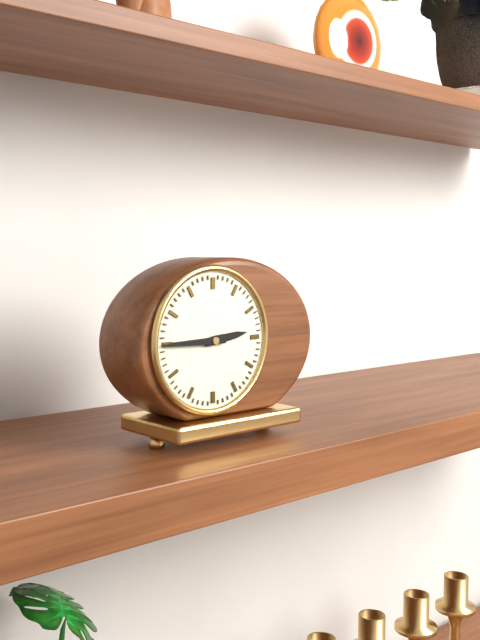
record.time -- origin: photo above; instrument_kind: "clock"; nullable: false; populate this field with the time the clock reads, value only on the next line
2:45
